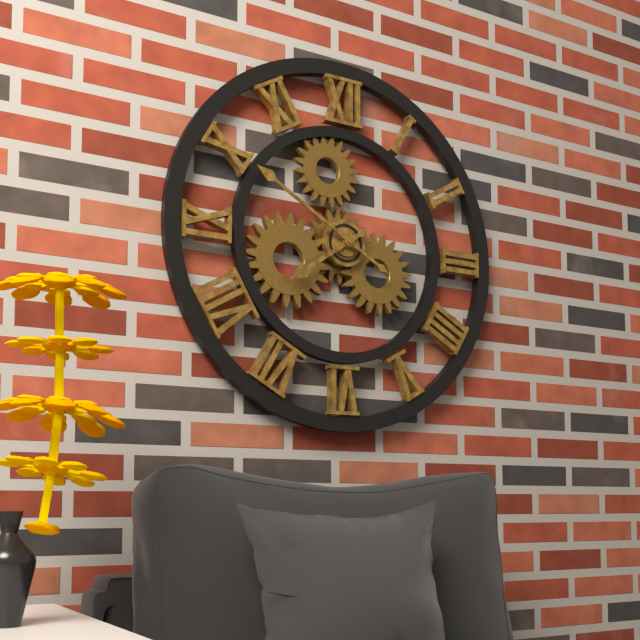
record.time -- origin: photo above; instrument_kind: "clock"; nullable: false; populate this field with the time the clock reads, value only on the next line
7:50
